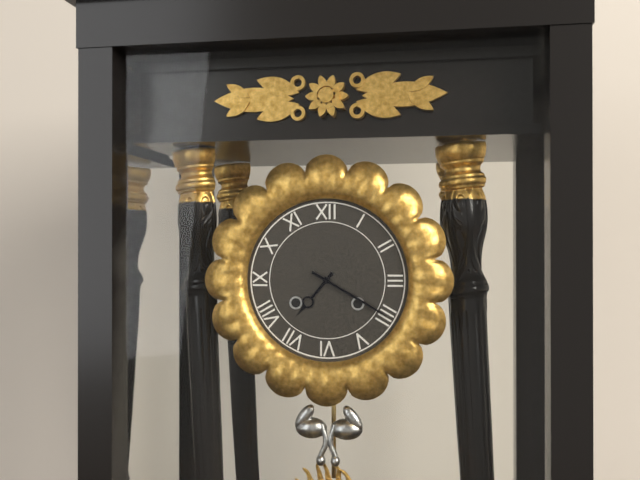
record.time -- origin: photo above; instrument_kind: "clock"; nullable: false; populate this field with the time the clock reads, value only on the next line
7:20
